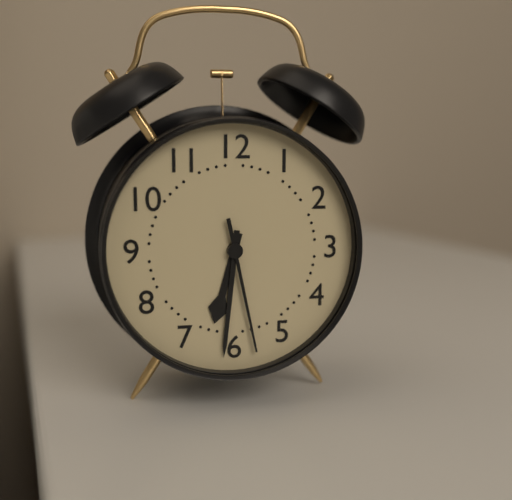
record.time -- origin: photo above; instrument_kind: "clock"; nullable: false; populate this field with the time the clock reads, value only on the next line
6:31:28
